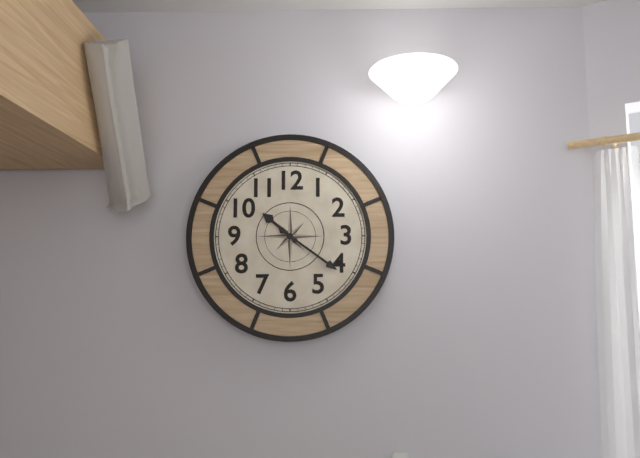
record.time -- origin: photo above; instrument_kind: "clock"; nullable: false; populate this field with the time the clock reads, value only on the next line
10:21
